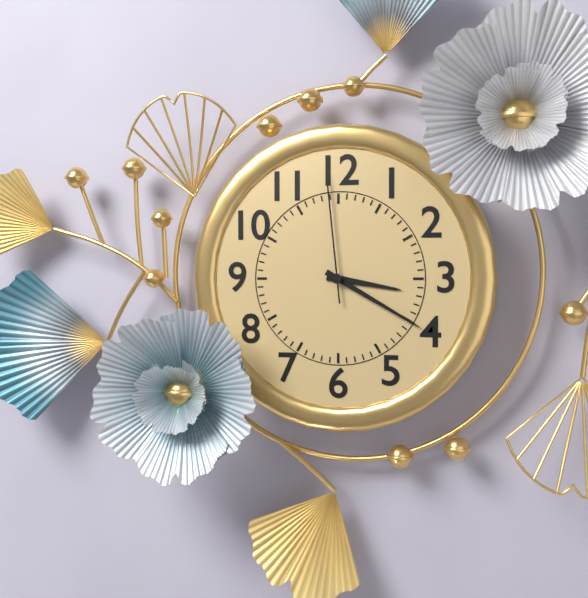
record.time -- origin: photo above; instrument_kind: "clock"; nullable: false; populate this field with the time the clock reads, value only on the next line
3:20:59
